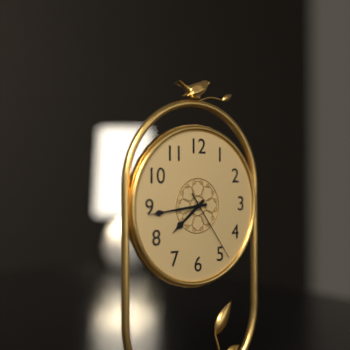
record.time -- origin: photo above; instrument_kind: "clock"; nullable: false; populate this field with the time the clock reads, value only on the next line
7:44:24
